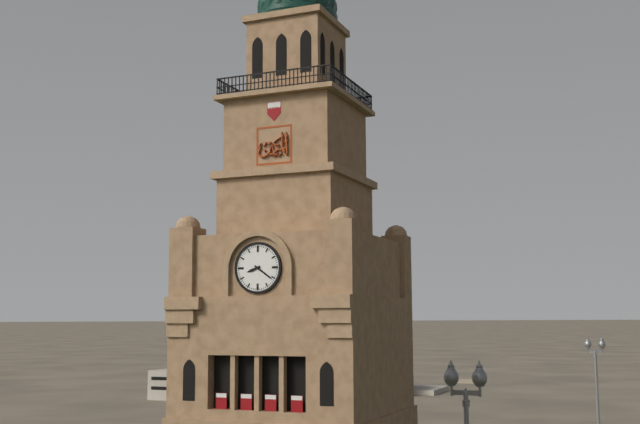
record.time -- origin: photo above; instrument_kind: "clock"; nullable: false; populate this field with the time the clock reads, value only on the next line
8:21
